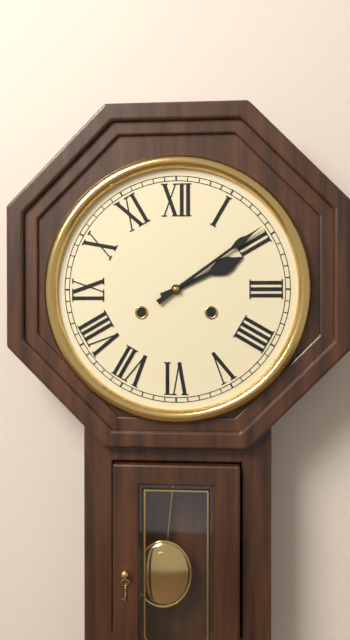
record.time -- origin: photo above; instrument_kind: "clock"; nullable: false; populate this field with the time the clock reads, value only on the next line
2:09
